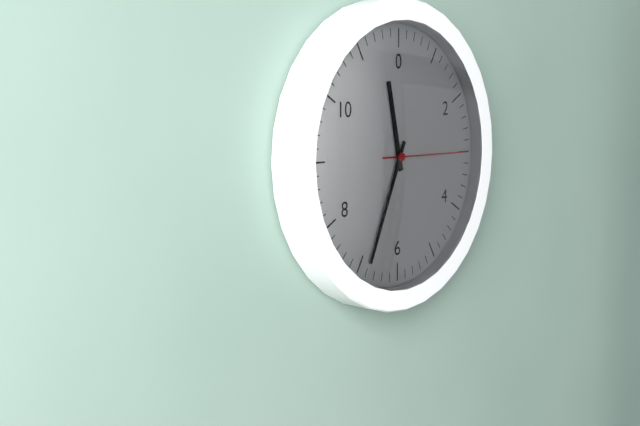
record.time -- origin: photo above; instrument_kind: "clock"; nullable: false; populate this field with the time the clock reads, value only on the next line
11:34:15
